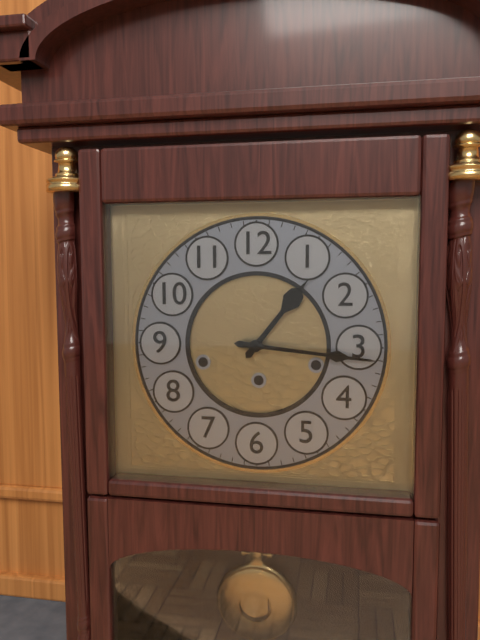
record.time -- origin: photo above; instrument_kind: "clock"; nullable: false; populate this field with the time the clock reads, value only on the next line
1:16
